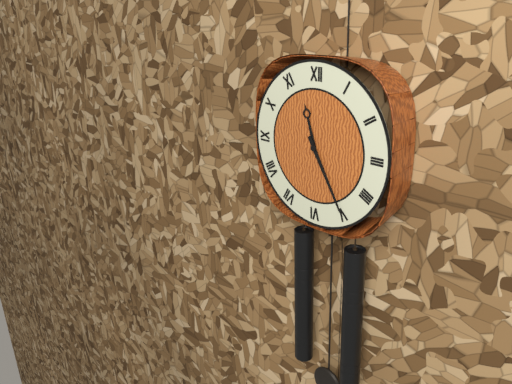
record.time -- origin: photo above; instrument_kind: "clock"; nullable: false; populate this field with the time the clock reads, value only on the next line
11:25
